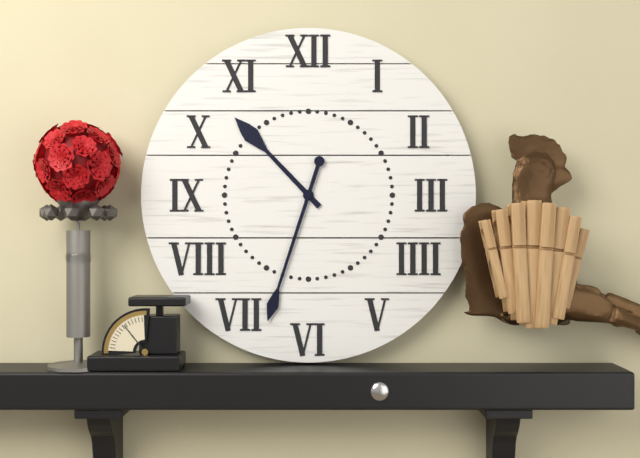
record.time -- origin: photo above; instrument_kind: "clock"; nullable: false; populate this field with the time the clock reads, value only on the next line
10:33
